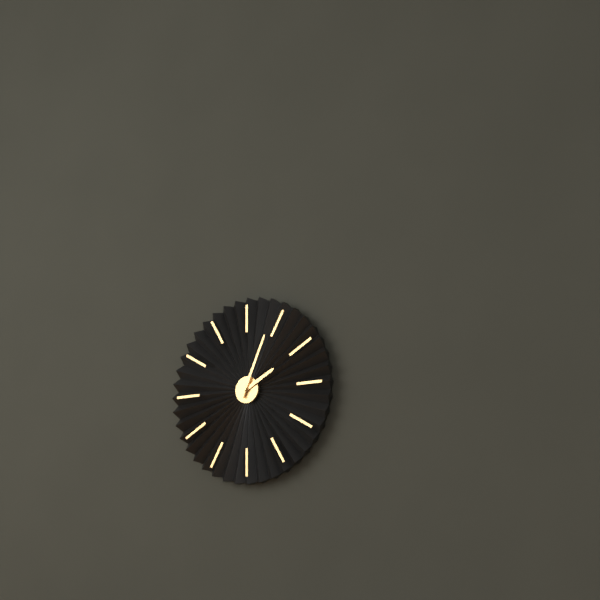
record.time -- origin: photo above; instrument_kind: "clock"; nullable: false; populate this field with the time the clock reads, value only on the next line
2:04
